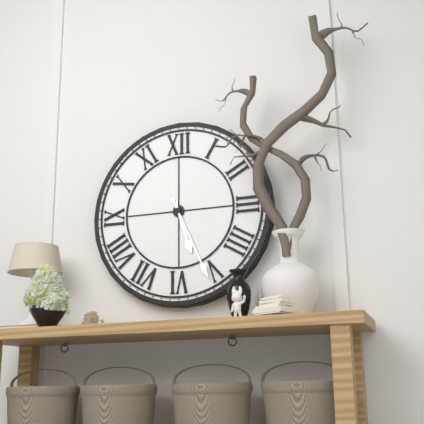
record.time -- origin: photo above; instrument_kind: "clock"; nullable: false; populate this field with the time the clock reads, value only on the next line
5:26
